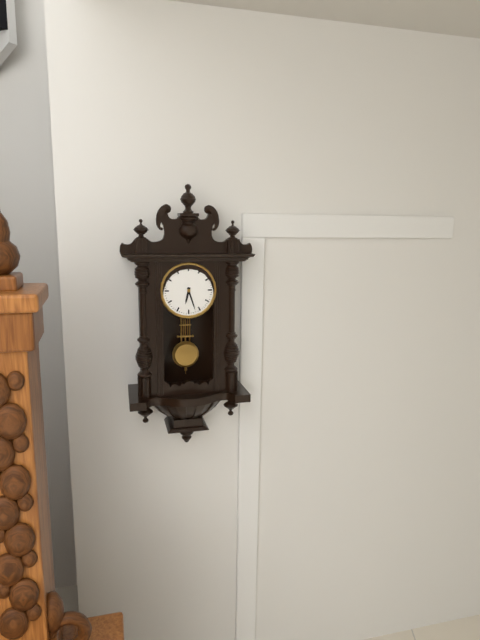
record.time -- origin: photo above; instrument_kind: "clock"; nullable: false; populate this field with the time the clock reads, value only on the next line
6:27
